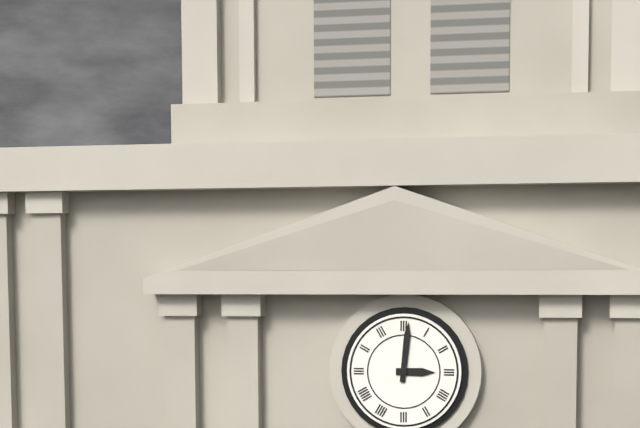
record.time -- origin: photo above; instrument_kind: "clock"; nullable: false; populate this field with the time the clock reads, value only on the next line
3:01
